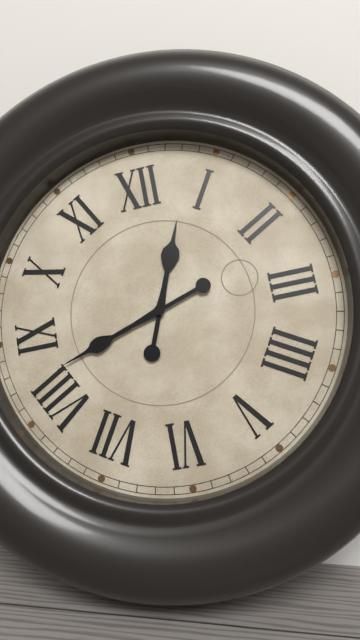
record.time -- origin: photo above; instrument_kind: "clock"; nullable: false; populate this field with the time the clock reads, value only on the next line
12:42
